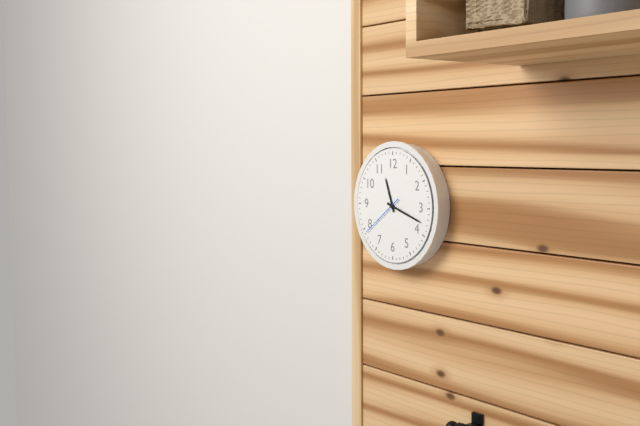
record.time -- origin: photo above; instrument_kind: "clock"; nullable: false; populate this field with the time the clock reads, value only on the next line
11:18
